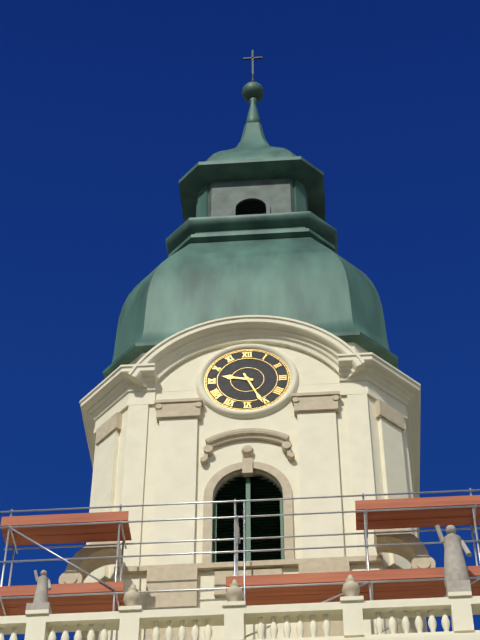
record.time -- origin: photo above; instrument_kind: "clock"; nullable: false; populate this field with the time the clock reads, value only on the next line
9:26
